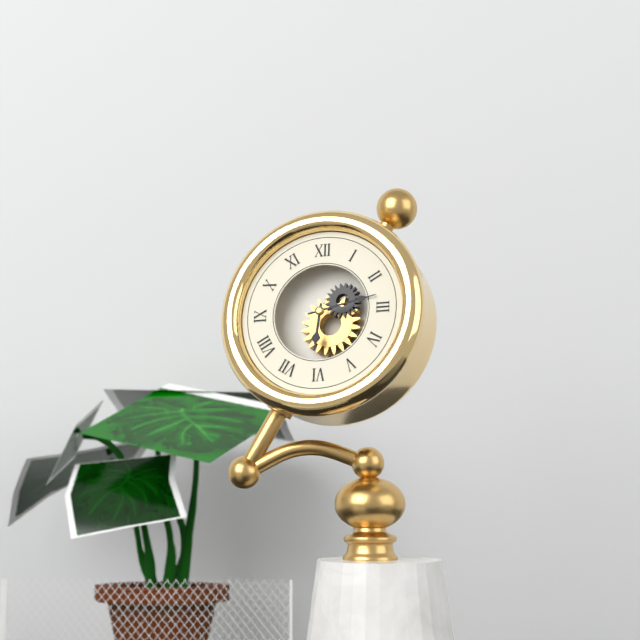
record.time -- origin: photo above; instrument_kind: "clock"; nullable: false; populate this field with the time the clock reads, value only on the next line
6:13
